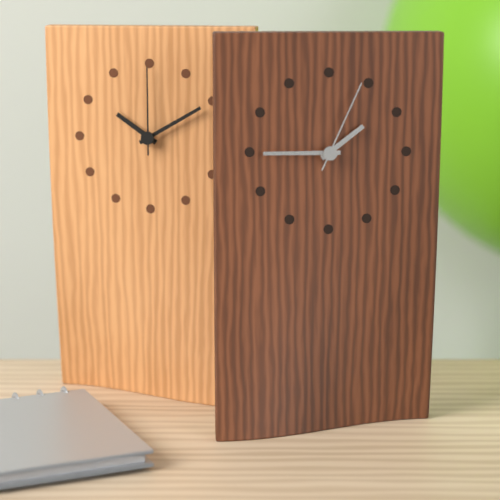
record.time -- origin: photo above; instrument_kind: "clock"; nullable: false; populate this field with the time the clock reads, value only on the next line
1:45:04
